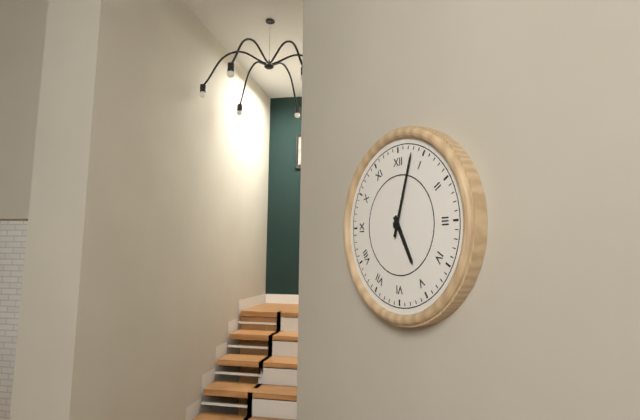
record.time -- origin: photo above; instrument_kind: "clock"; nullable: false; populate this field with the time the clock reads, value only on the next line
5:03
